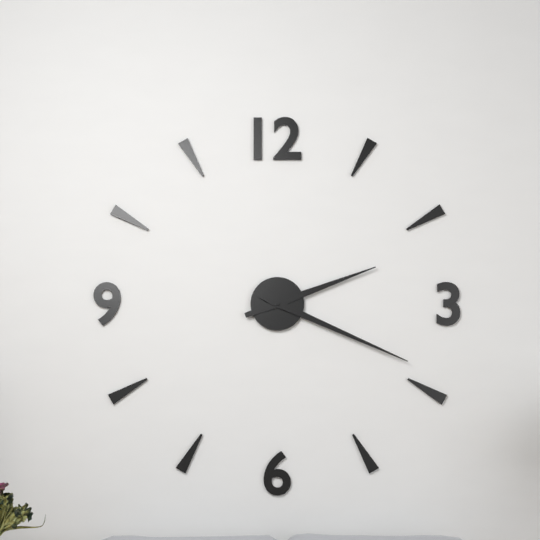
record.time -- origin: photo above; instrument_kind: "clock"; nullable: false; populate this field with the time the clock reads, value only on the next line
2:19
